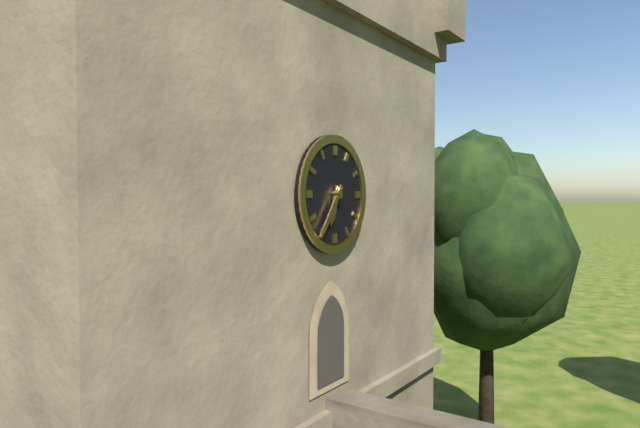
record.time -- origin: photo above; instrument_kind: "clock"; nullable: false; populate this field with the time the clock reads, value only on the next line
6:36
